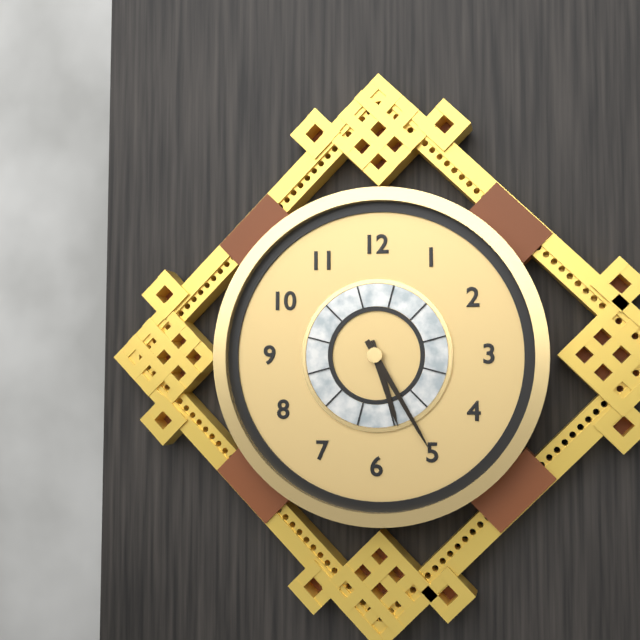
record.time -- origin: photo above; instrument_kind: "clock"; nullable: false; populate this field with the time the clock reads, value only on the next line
5:25
